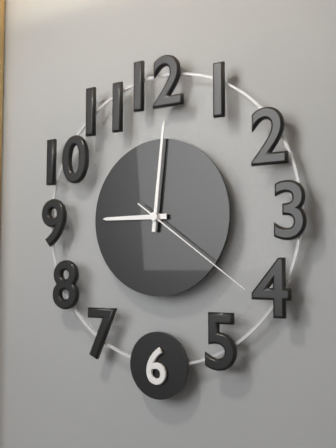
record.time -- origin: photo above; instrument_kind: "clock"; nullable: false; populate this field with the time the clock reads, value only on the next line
9:01:21
